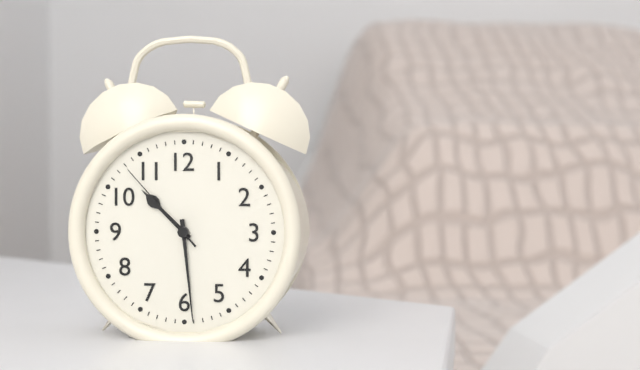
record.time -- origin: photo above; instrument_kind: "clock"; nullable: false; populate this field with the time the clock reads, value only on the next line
10:29:53
